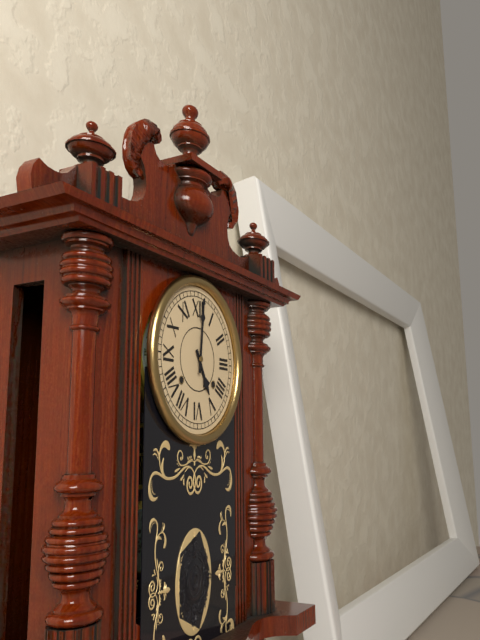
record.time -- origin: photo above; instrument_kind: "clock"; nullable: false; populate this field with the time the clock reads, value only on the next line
5:01
